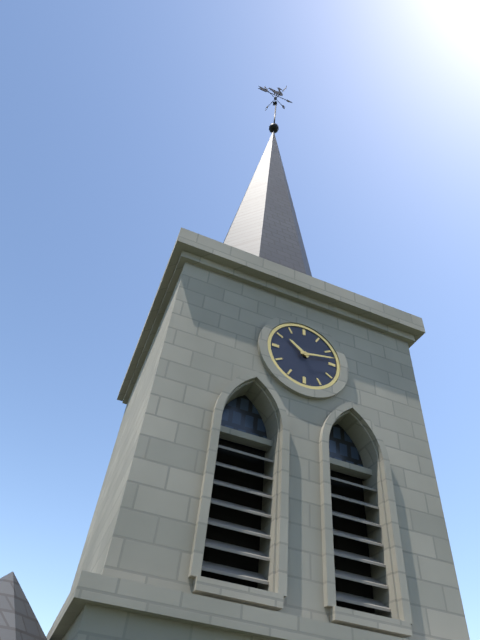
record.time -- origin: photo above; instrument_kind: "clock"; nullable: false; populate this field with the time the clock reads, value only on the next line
10:13
